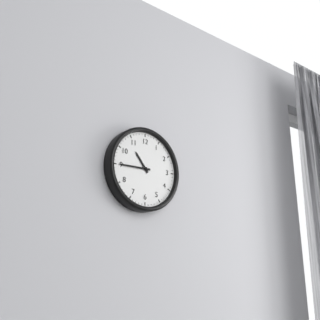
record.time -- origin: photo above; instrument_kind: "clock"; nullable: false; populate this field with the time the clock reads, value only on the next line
10:45
